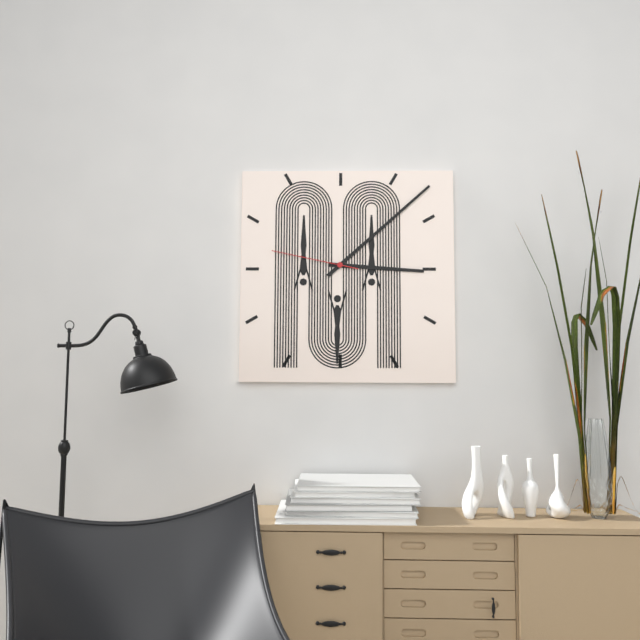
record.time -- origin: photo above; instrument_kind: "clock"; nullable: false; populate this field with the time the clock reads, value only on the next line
3:08:47
